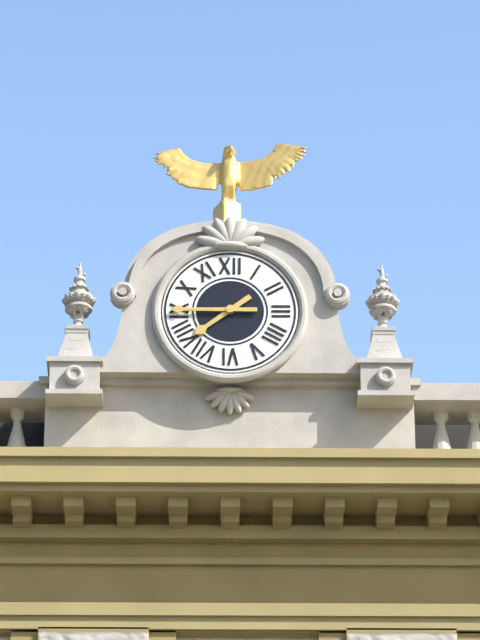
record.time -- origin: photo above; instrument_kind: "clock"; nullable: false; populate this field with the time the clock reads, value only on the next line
7:45
